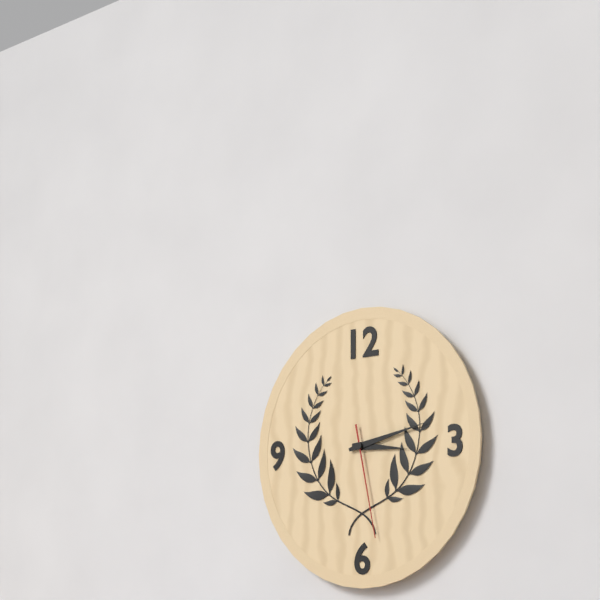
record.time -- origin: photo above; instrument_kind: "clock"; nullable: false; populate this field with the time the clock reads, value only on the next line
3:13:28
